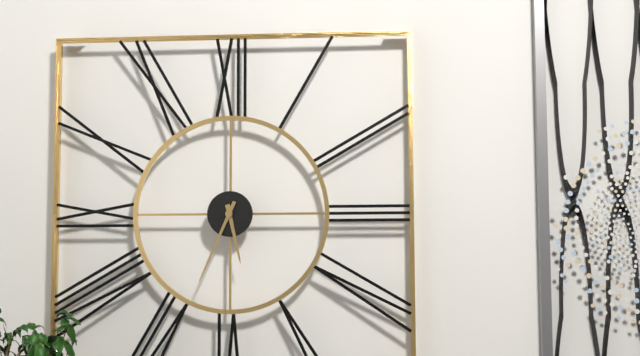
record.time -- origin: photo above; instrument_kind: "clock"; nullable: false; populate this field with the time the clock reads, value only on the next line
5:34
